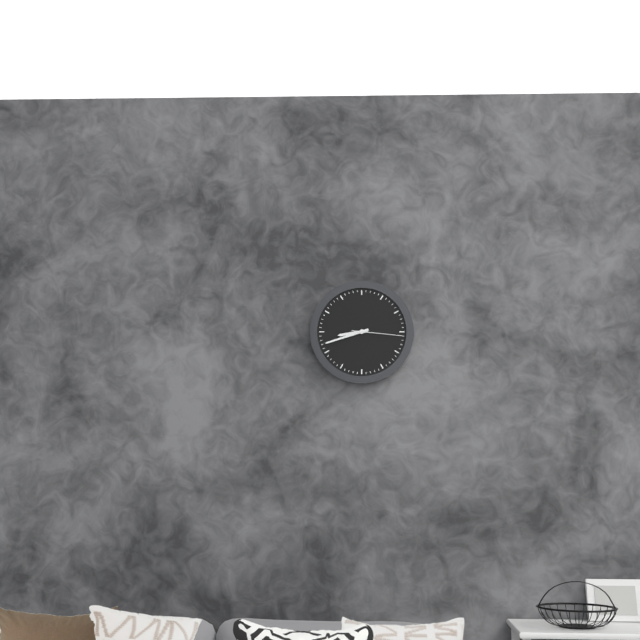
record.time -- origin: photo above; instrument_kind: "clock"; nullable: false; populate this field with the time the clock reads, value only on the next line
8:42:16
